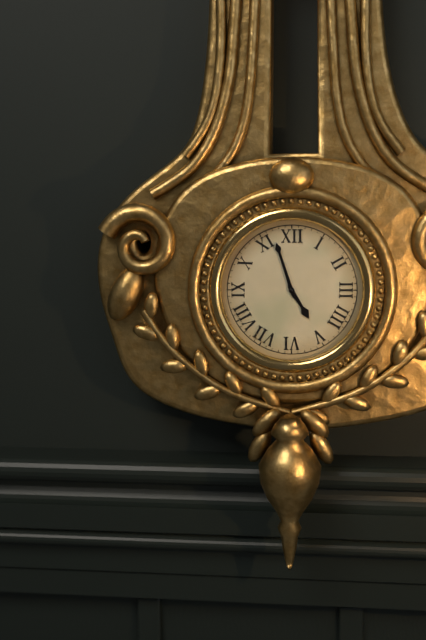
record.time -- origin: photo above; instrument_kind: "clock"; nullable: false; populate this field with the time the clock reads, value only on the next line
4:57
